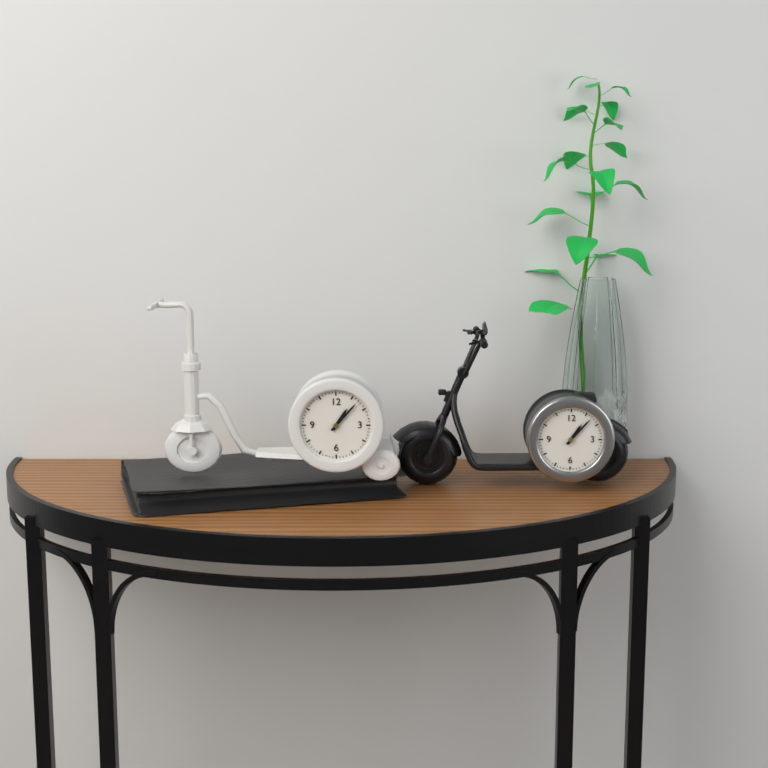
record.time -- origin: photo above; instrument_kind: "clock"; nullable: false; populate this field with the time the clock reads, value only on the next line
1:07
